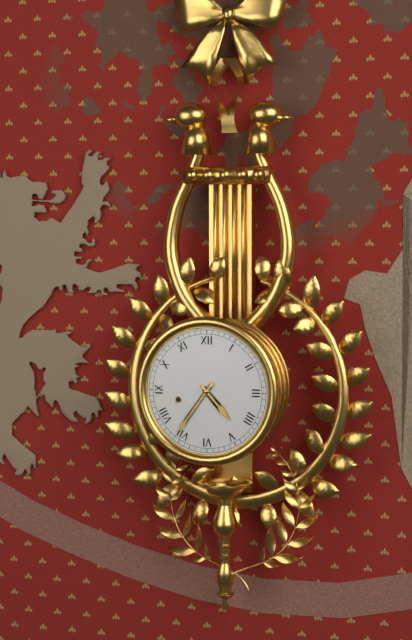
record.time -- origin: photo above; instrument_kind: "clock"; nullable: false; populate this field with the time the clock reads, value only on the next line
4:36
